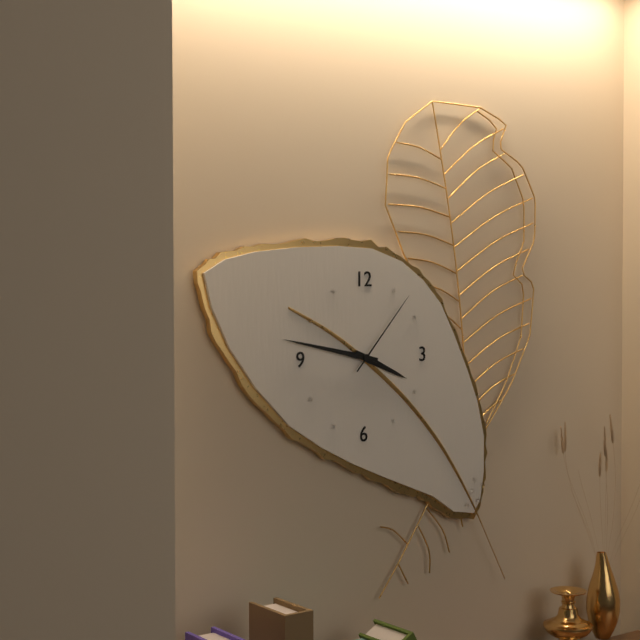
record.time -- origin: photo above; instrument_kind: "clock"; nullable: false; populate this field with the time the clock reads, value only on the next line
3:47:07
